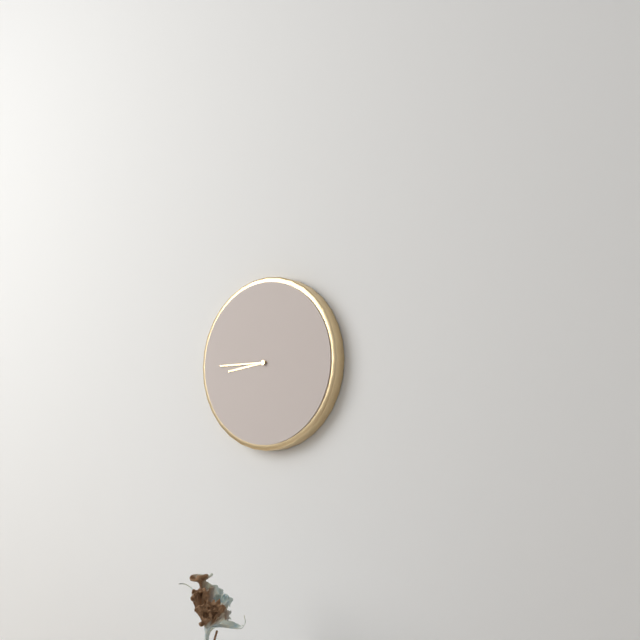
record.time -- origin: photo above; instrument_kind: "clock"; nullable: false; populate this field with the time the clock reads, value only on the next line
8:45
